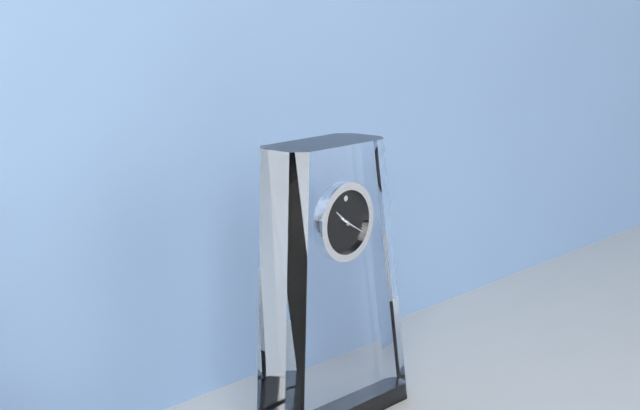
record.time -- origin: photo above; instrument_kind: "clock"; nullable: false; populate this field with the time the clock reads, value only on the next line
10:20
